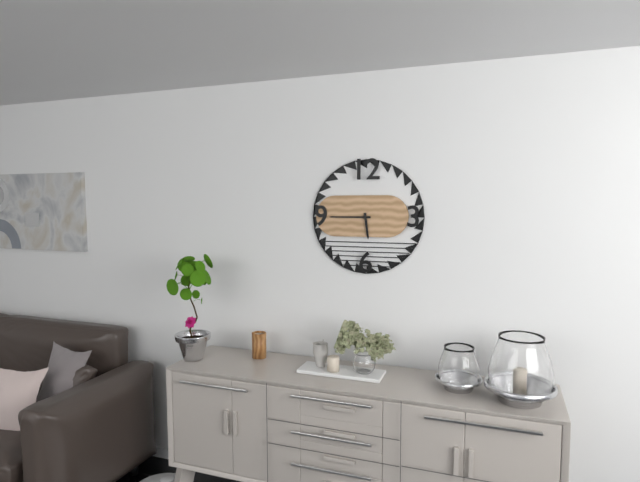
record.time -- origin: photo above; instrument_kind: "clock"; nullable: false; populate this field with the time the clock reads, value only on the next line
5:45
